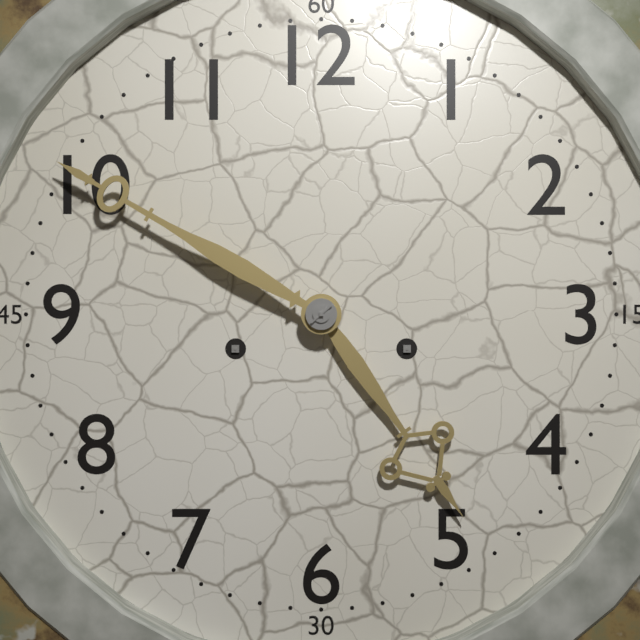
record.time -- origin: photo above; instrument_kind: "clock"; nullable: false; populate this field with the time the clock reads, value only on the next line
4:50
